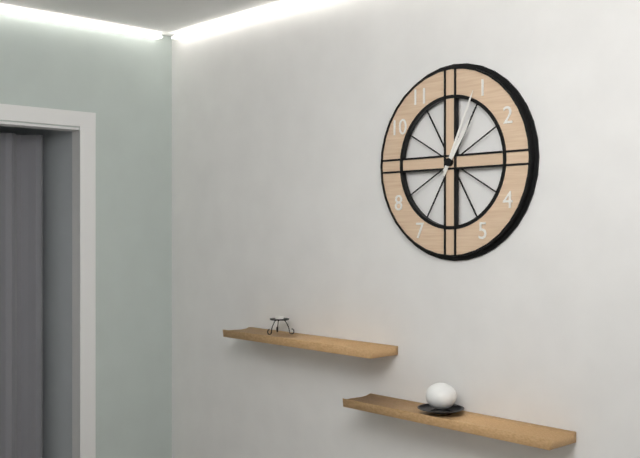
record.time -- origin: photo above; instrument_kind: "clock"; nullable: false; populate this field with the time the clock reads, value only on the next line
1:04
